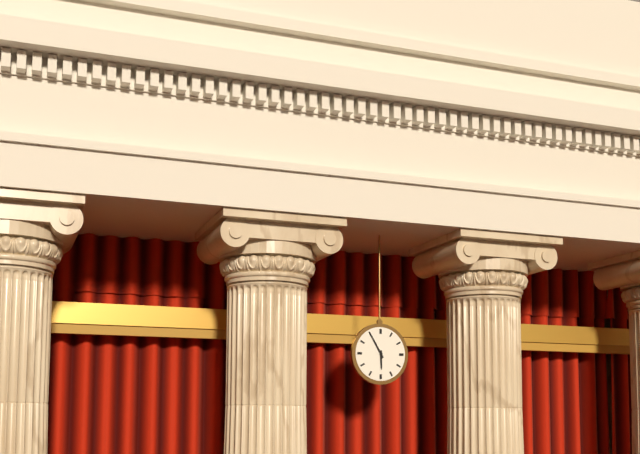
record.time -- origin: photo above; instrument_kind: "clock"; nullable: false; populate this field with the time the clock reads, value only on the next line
5:55
